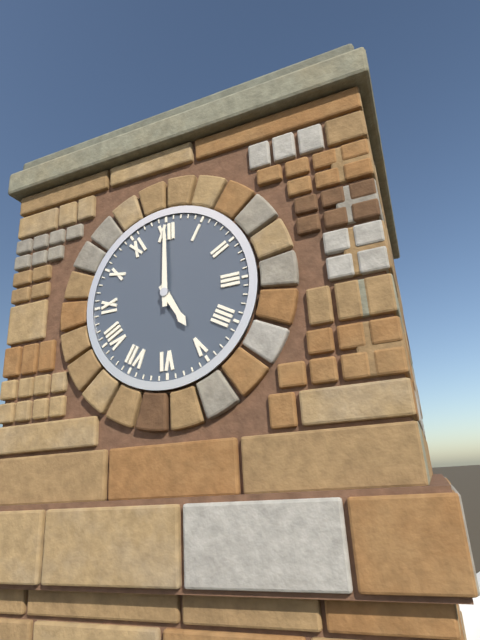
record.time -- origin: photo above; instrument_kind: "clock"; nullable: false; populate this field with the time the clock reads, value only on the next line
5:00
